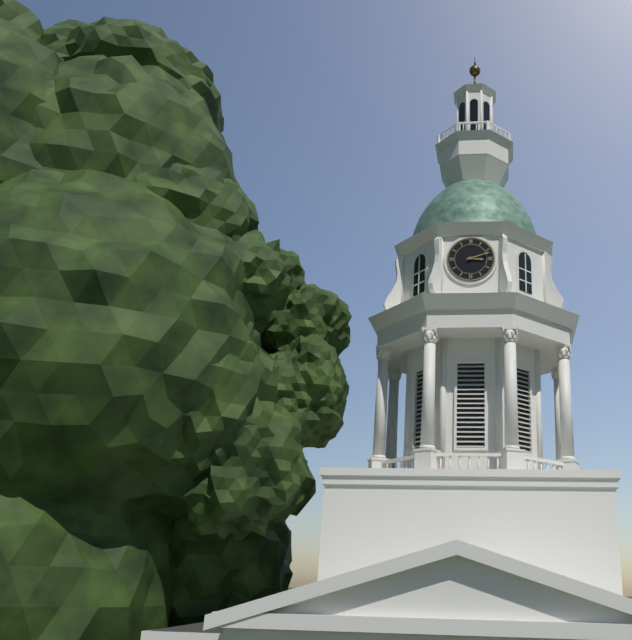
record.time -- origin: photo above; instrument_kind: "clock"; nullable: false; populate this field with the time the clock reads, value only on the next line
3:12
